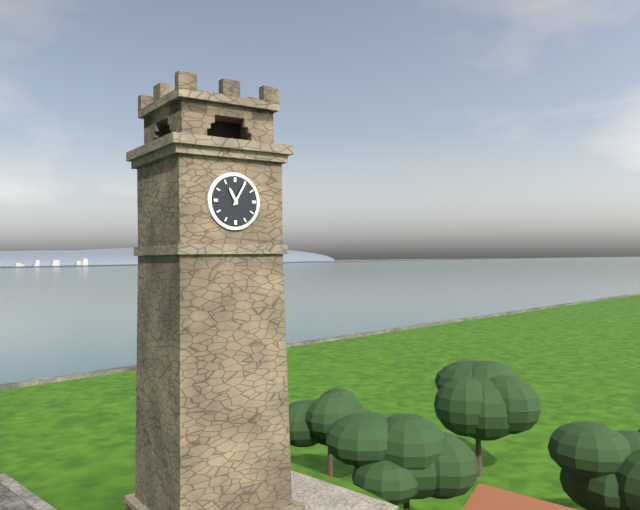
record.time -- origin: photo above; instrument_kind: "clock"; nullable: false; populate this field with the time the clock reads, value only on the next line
11:05
